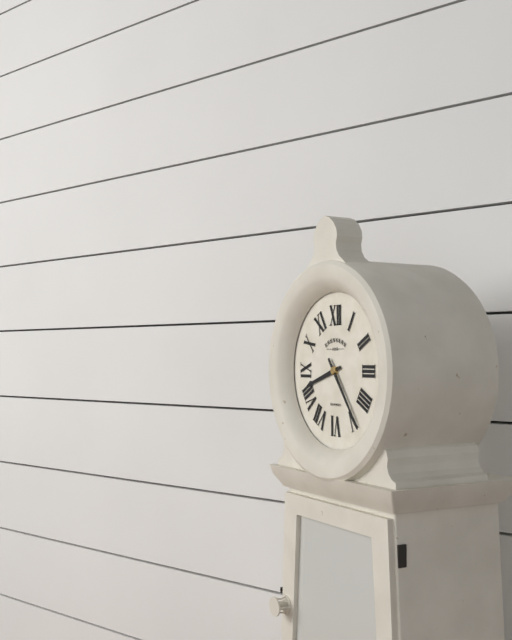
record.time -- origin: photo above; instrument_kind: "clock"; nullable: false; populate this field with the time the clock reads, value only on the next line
8:24
